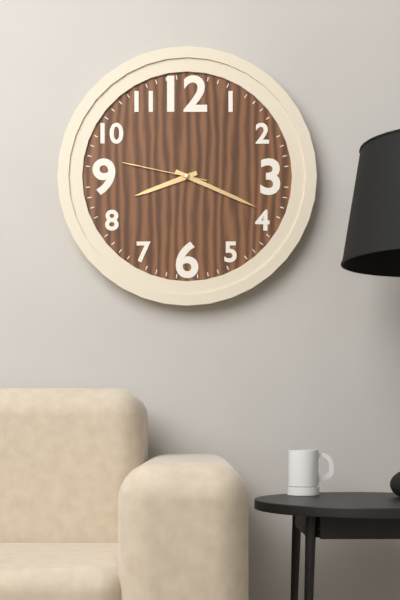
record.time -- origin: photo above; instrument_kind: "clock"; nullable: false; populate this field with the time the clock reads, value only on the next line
8:19:47
